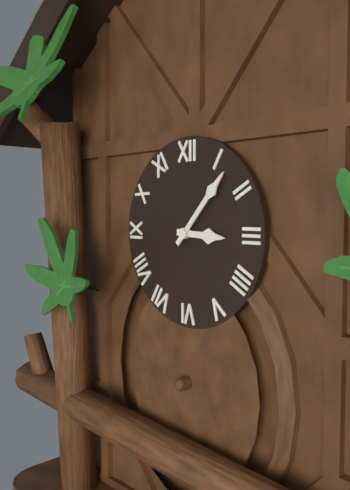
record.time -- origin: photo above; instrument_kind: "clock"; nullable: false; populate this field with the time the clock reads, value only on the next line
3:07
